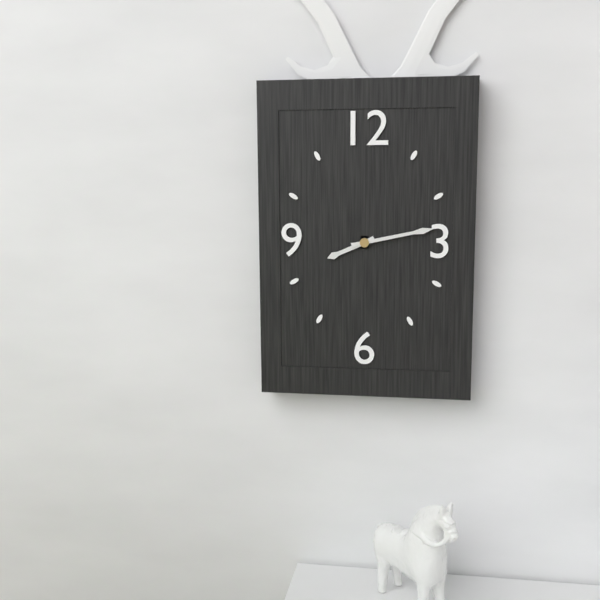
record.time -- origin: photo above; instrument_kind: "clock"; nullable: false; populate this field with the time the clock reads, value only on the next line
8:13
